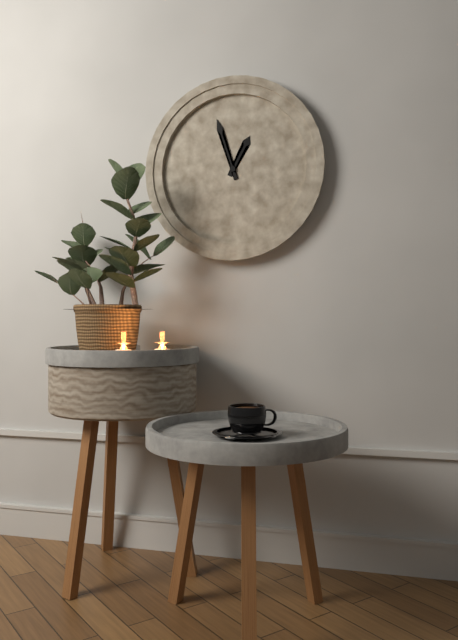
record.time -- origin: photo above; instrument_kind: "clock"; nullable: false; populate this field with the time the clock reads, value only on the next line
12:57
